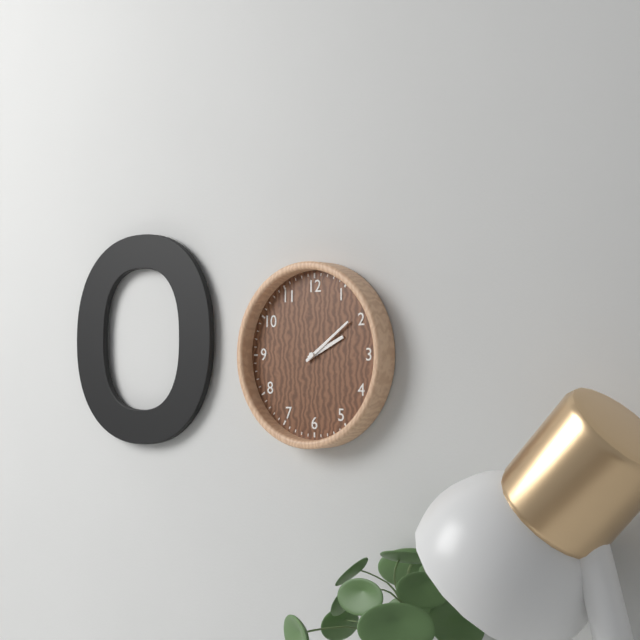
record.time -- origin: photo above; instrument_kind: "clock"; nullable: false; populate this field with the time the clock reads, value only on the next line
2:09
